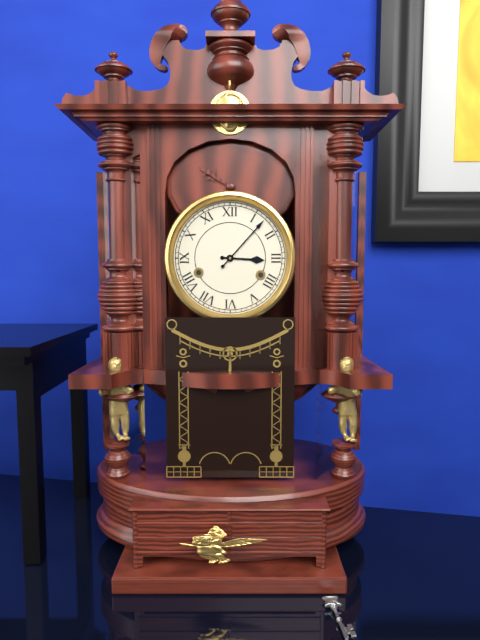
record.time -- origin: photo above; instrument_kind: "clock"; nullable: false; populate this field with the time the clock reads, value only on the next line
3:07
